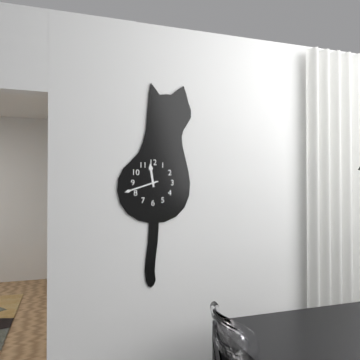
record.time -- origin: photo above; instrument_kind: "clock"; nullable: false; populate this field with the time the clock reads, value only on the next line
11:42
